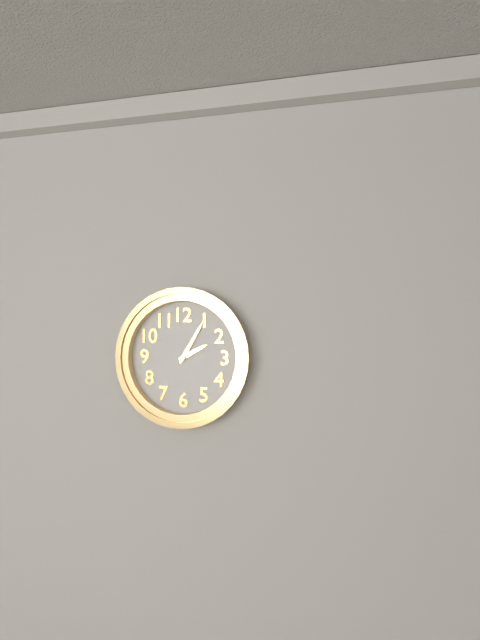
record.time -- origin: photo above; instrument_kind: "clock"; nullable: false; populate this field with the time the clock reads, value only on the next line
2:05
